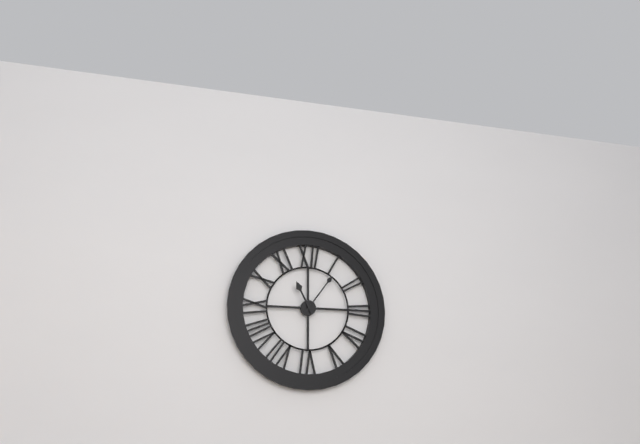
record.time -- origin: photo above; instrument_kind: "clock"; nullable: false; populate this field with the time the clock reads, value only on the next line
11:06
